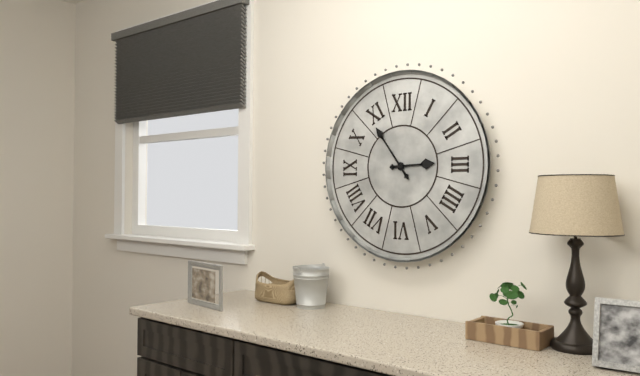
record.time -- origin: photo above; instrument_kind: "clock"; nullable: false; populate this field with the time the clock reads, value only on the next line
2:54
